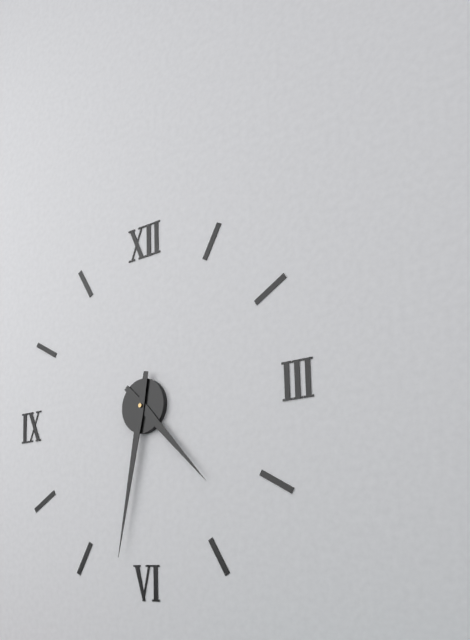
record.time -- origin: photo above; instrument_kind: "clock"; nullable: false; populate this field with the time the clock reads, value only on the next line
4:32
